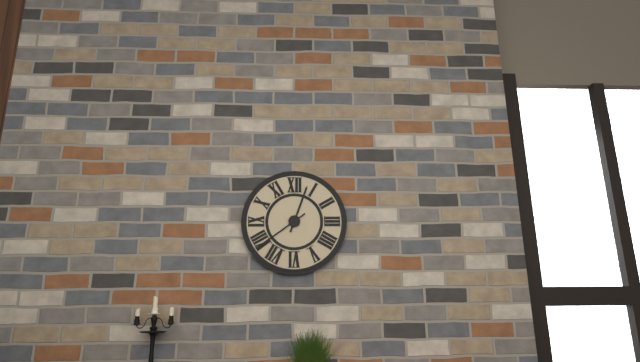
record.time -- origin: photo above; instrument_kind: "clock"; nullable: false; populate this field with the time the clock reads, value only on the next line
12:39
